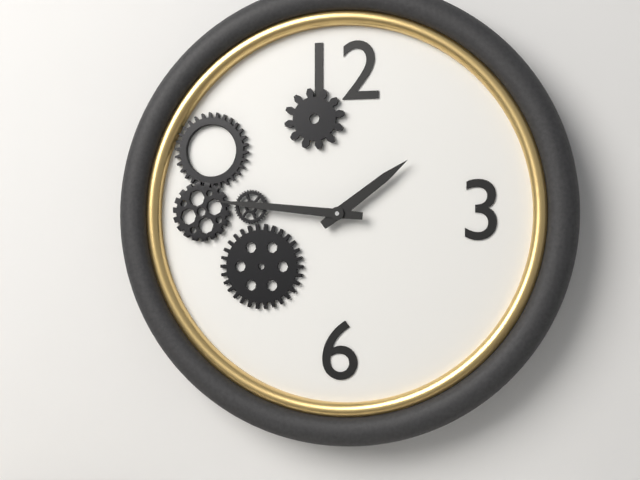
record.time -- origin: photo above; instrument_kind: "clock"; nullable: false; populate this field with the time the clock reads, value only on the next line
1:46
